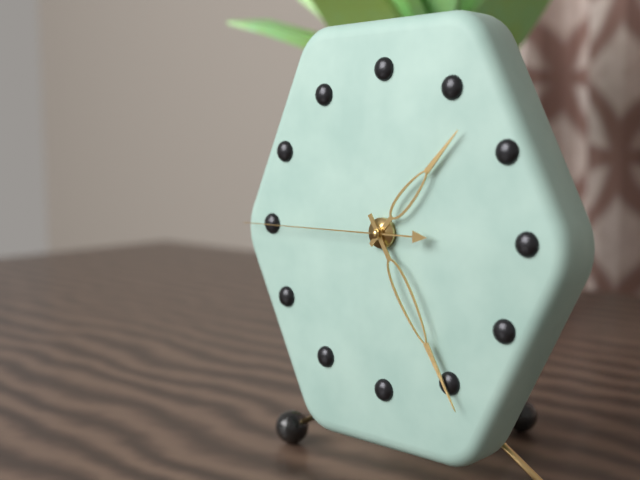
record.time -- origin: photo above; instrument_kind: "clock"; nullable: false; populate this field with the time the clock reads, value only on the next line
1:25:45
